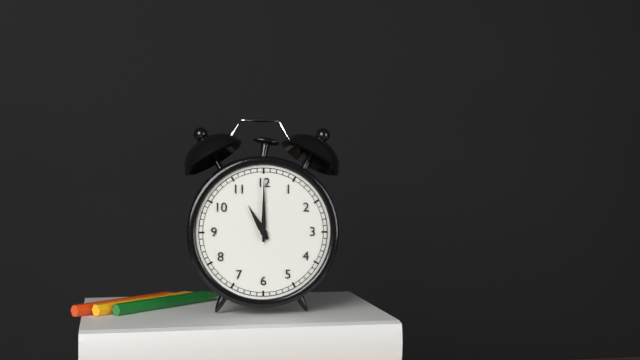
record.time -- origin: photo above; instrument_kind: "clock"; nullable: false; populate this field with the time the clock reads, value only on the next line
11:00
